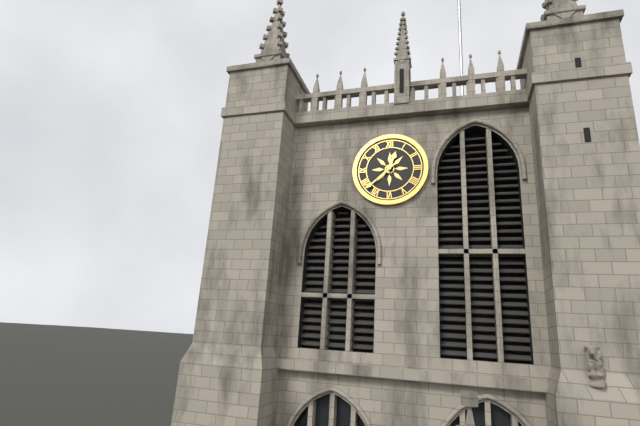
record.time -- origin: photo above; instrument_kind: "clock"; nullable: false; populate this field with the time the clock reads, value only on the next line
12:38
